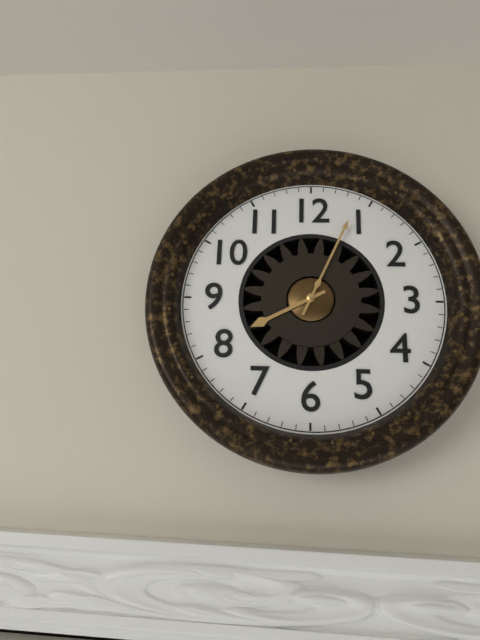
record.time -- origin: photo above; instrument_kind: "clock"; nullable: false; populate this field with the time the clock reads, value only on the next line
8:04
